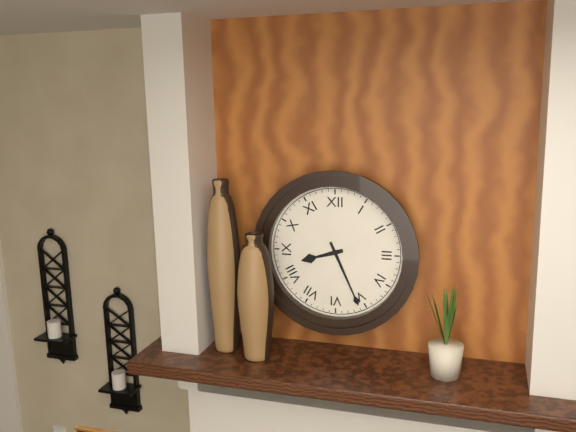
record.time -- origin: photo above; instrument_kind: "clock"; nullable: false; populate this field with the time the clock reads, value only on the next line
8:26
